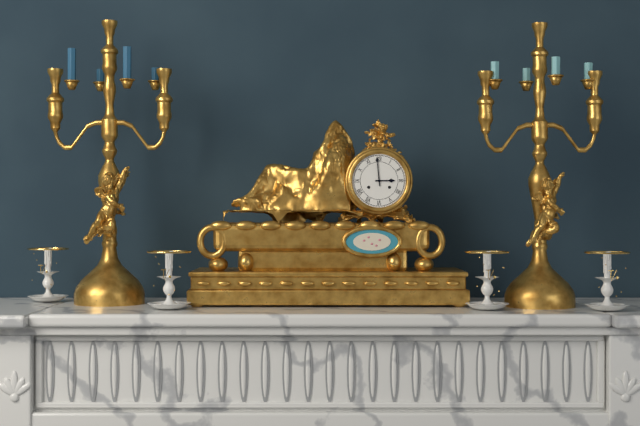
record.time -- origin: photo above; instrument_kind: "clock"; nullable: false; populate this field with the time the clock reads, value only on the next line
2:59
